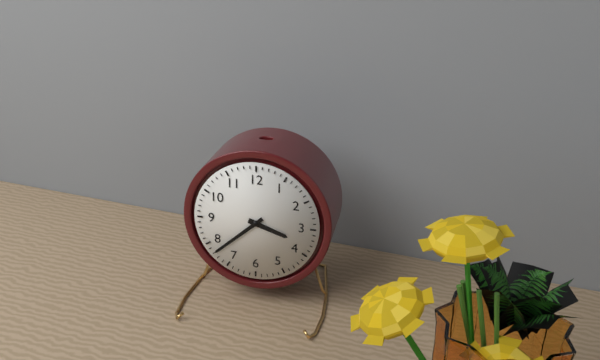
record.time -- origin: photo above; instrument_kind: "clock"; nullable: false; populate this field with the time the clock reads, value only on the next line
3:38
